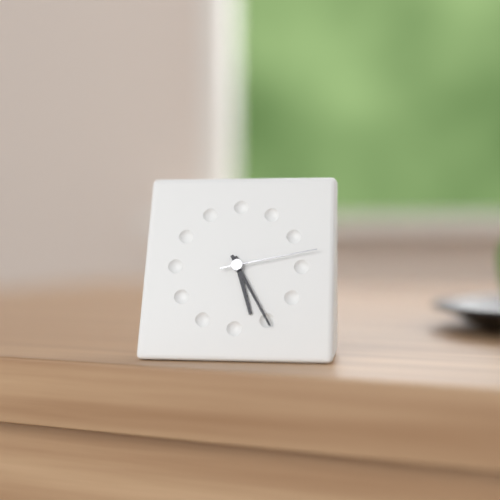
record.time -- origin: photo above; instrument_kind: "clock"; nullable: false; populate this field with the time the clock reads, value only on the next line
5:25:13
